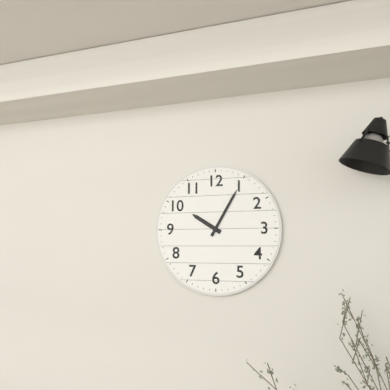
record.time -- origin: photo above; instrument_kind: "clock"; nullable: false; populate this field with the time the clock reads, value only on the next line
10:05
